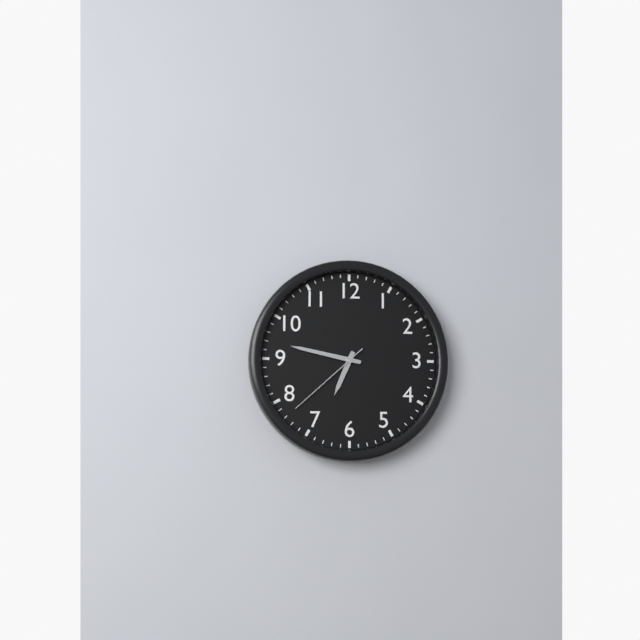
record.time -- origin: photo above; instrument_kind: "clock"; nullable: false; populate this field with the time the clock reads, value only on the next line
6:47:38
